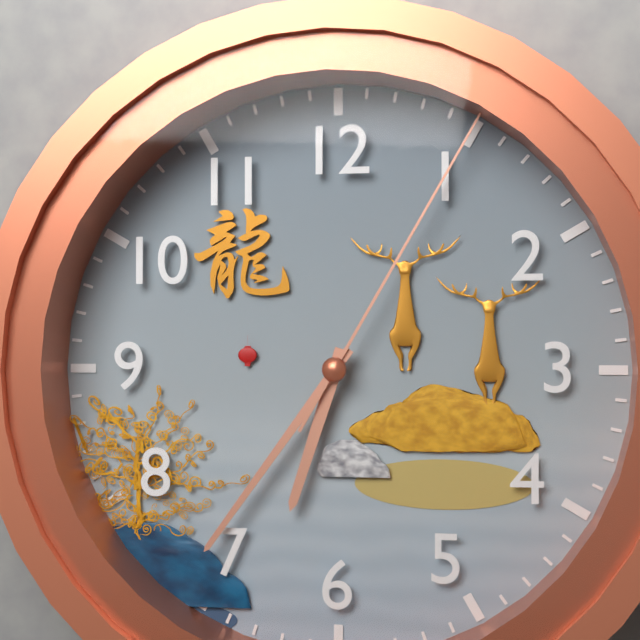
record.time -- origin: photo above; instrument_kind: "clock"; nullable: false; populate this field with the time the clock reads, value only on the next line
6:36:05
